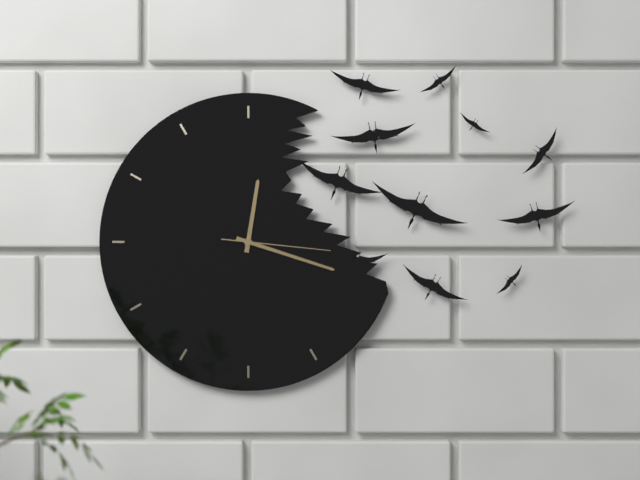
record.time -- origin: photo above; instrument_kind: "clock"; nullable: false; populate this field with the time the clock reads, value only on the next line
12:18:16
